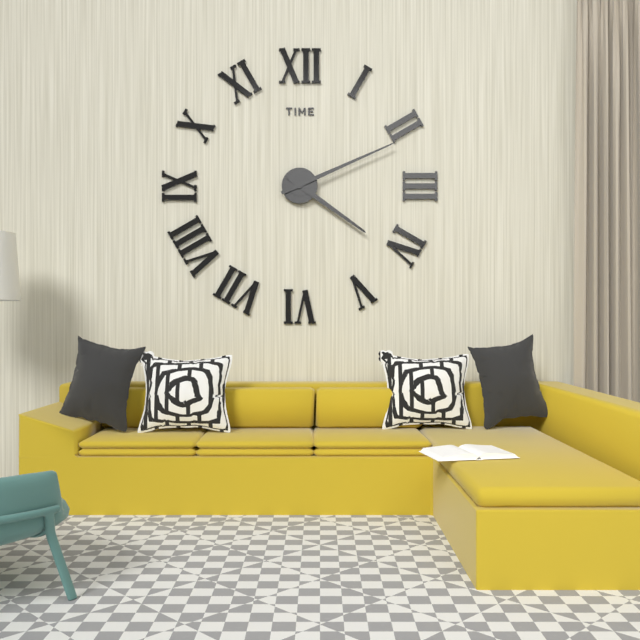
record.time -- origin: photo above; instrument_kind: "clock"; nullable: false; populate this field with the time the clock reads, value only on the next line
4:11
